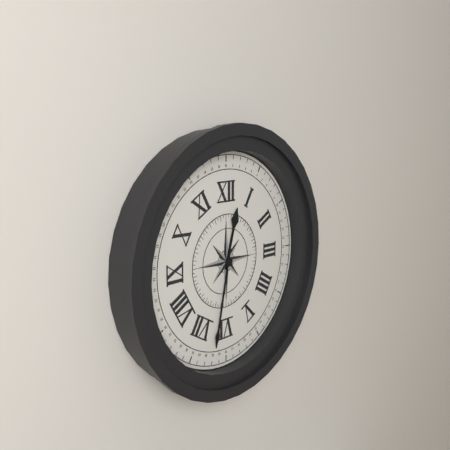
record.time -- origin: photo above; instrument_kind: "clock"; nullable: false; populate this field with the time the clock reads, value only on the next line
12:32
